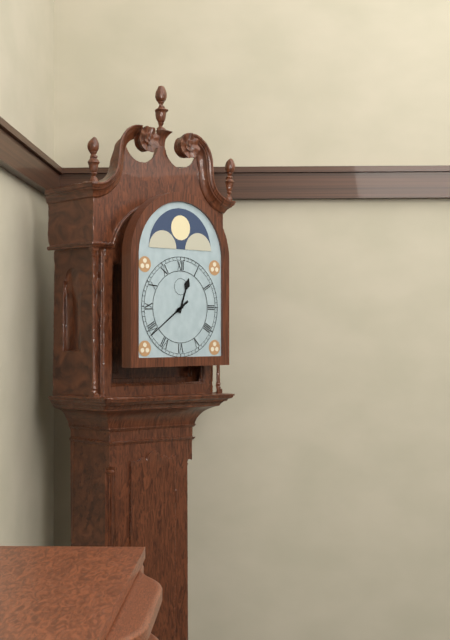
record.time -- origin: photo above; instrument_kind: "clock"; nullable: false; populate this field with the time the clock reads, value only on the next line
12:39
